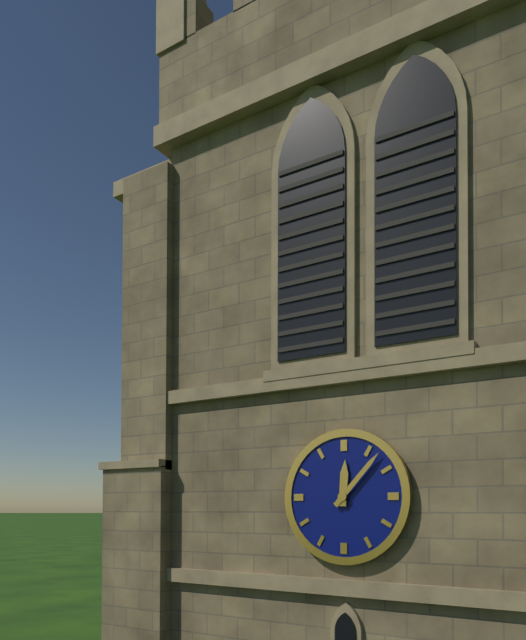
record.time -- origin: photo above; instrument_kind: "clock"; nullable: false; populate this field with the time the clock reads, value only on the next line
12:07
